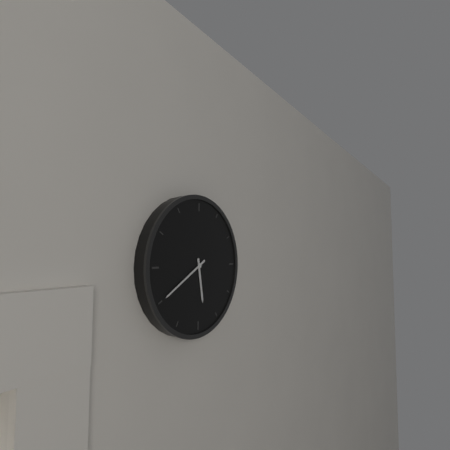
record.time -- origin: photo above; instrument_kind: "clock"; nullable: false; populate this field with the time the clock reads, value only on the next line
5:40
